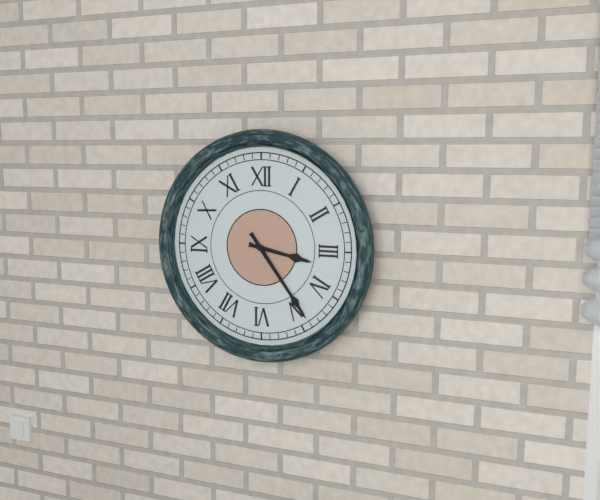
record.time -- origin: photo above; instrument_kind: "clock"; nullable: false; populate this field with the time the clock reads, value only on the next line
3:24
